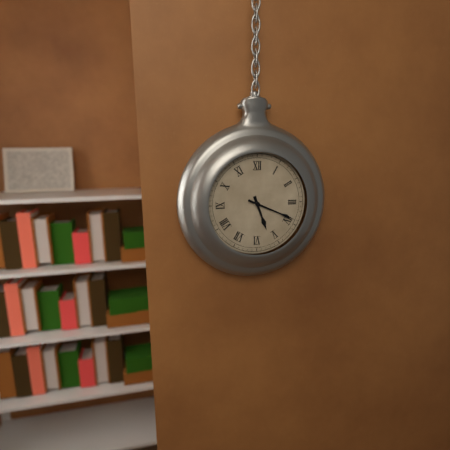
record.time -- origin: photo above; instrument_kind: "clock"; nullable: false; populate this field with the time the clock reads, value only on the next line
5:19
